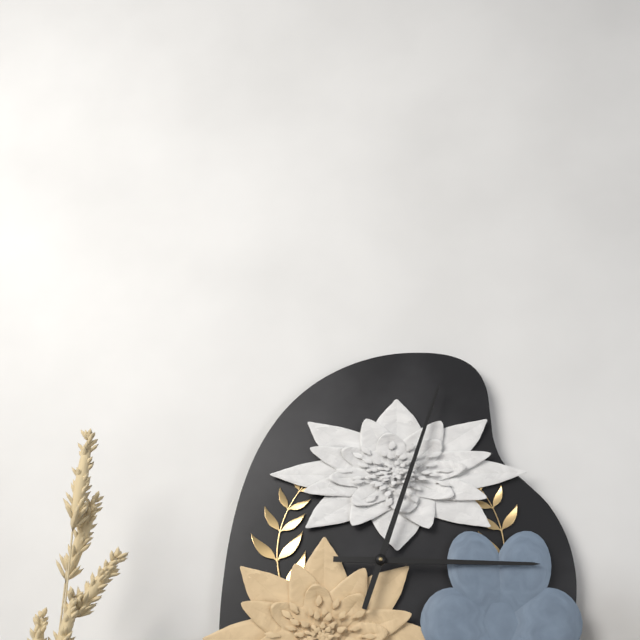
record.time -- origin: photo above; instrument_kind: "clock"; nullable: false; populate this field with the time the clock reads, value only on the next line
3:03
